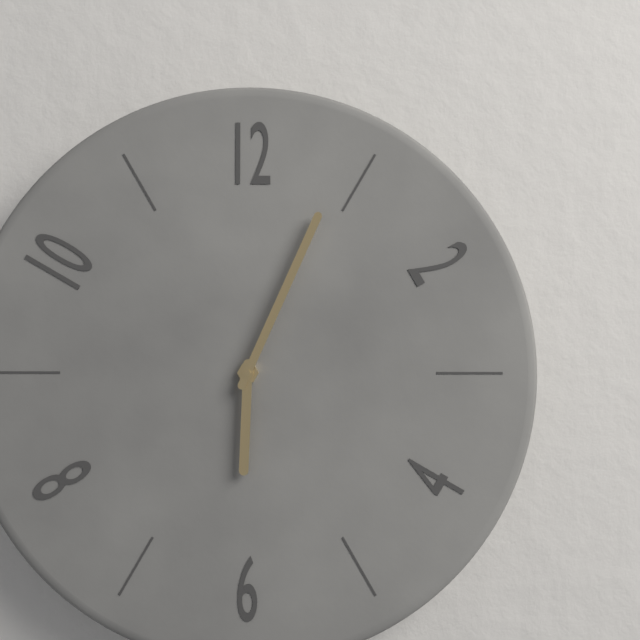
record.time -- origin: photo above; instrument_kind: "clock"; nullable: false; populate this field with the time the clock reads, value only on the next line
6:04
